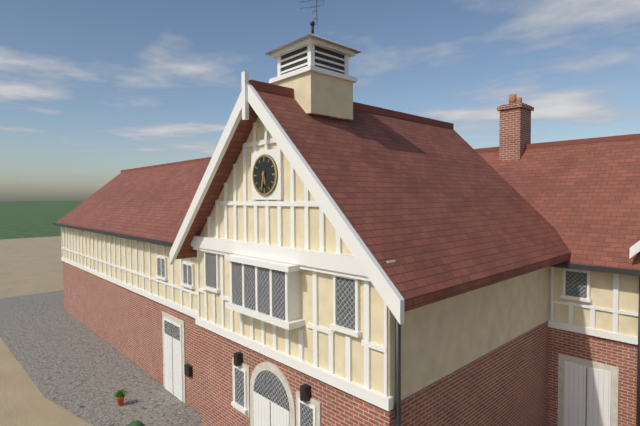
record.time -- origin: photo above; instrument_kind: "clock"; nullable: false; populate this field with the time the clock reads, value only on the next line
5:32
